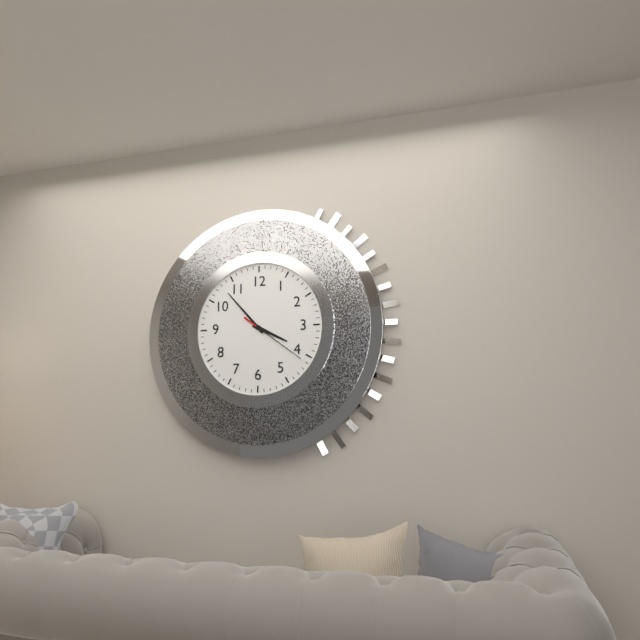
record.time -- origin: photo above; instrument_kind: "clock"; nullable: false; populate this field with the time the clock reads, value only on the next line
3:53:21
